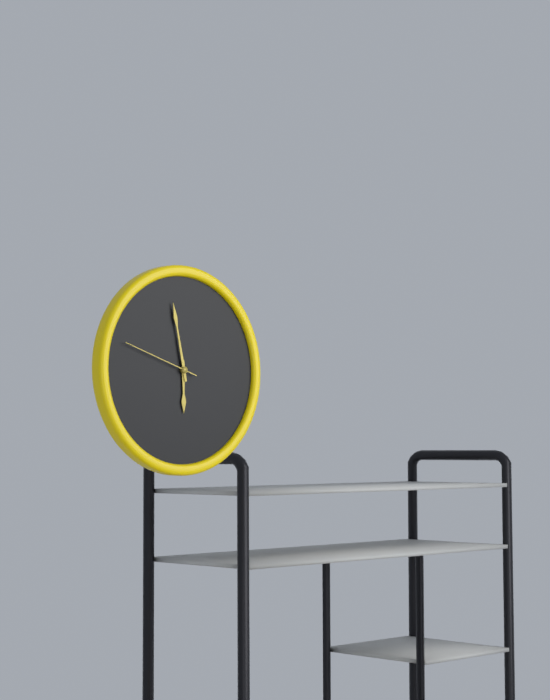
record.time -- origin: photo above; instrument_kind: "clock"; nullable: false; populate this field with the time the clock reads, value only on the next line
5:58:48
